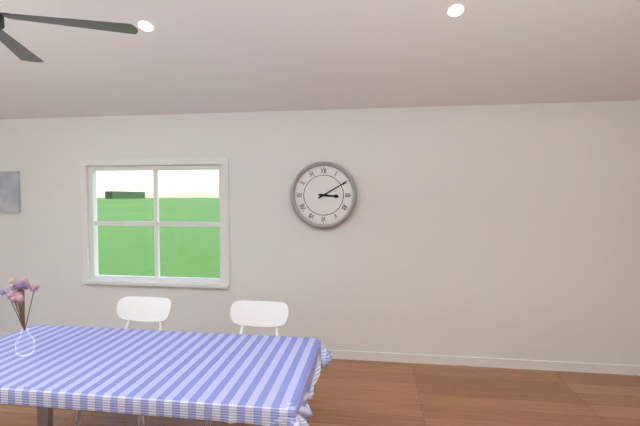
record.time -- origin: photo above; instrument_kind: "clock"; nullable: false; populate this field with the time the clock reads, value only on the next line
3:10
